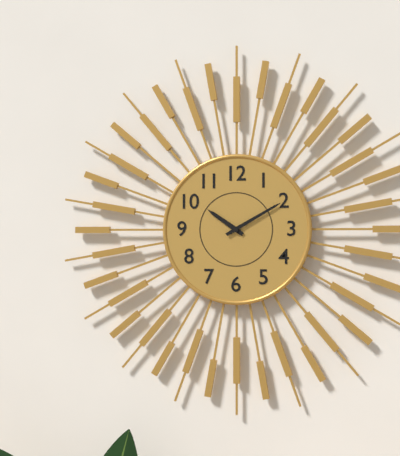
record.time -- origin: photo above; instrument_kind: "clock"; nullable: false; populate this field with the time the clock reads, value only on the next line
10:10
